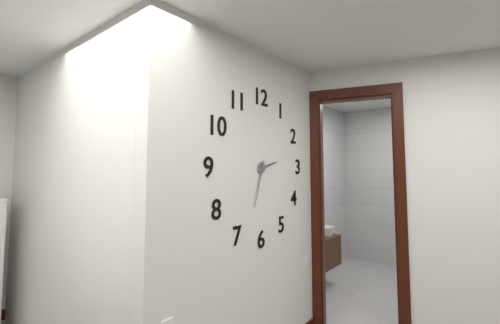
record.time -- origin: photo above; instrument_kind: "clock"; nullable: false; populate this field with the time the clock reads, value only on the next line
2:33
